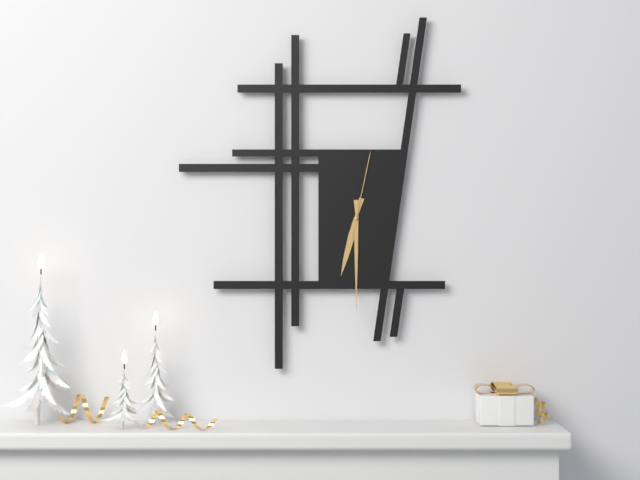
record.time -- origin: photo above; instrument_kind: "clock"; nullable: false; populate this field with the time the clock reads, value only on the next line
6:30:02
